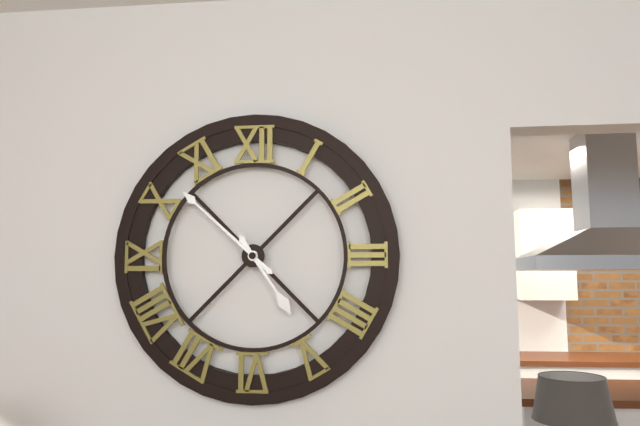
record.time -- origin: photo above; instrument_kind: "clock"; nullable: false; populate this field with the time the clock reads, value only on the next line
4:52
